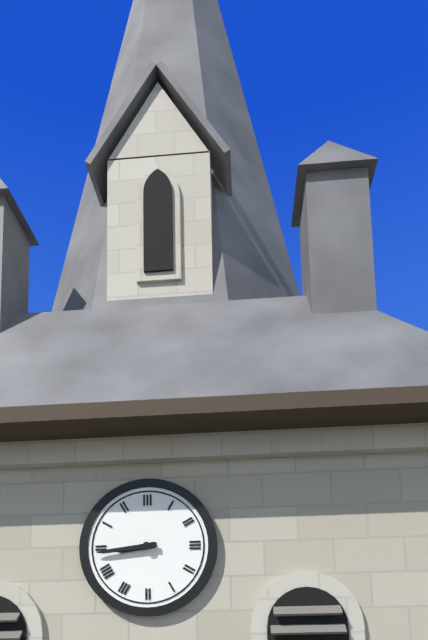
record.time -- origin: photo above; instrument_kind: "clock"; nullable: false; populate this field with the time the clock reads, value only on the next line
8:44
